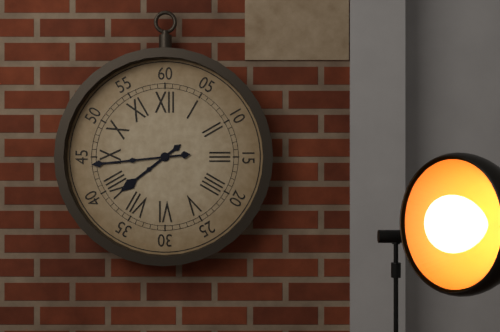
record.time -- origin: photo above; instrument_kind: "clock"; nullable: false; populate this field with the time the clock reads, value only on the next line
7:44
